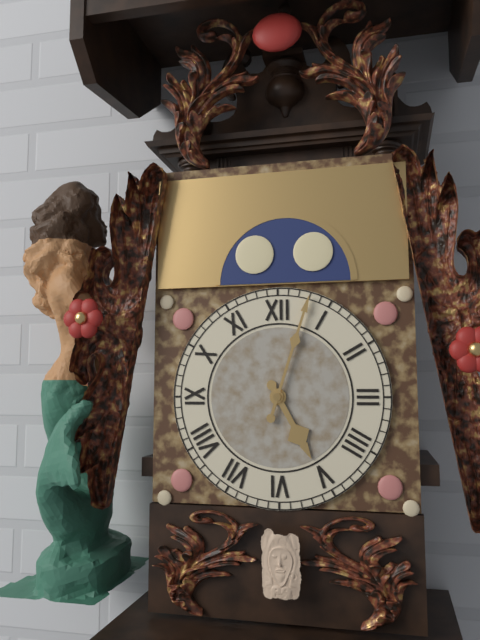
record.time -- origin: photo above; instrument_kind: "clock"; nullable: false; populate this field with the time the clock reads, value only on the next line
5:03
